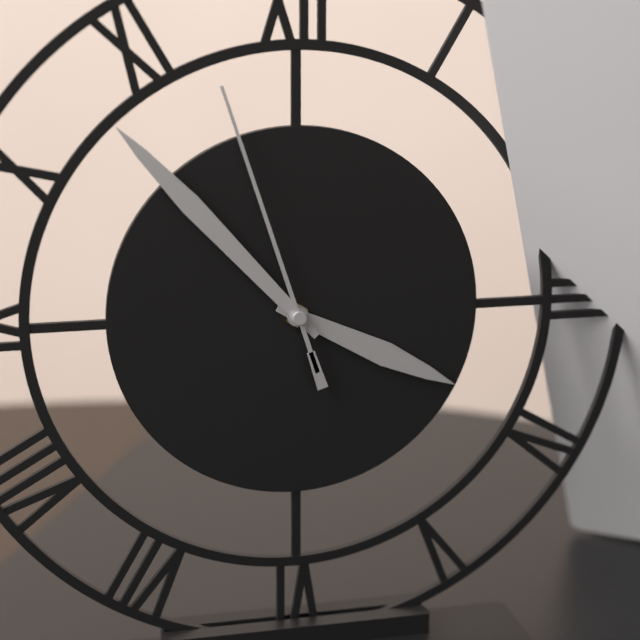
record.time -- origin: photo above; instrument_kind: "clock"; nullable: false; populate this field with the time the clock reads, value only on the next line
3:53:57
